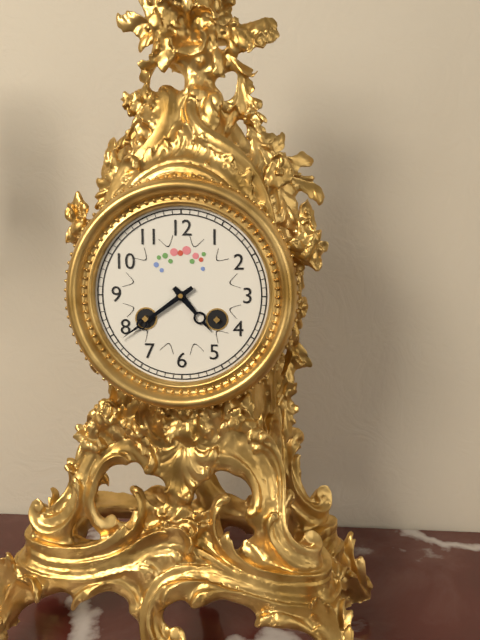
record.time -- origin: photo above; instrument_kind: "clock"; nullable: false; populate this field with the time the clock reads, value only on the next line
4:39
